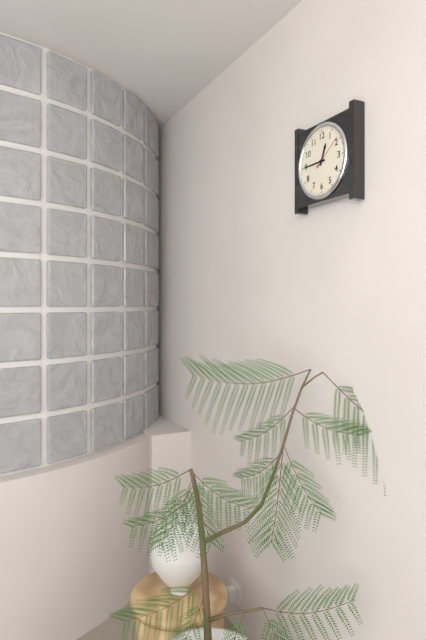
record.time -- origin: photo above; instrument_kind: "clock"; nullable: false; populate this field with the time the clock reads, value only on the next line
12:45
